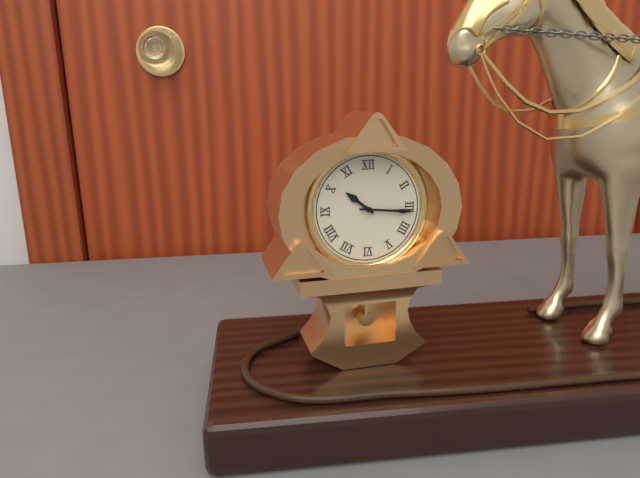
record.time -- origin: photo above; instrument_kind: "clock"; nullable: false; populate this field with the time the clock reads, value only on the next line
10:16
